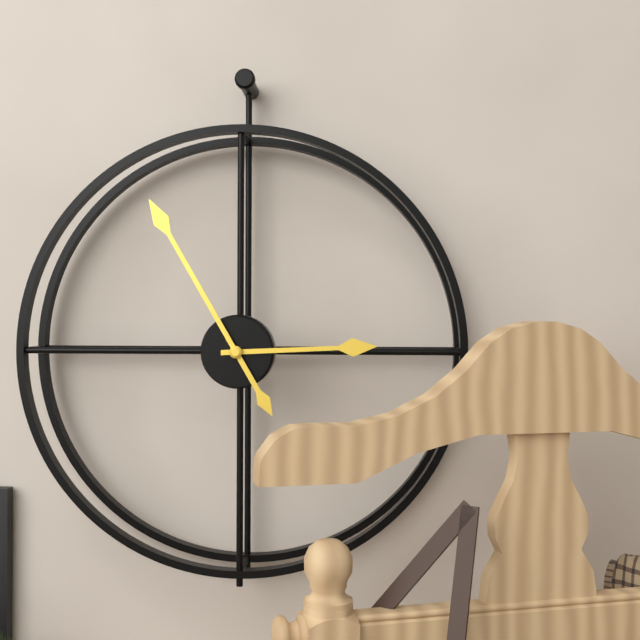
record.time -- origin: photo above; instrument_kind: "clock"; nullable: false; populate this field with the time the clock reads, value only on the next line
2:55
